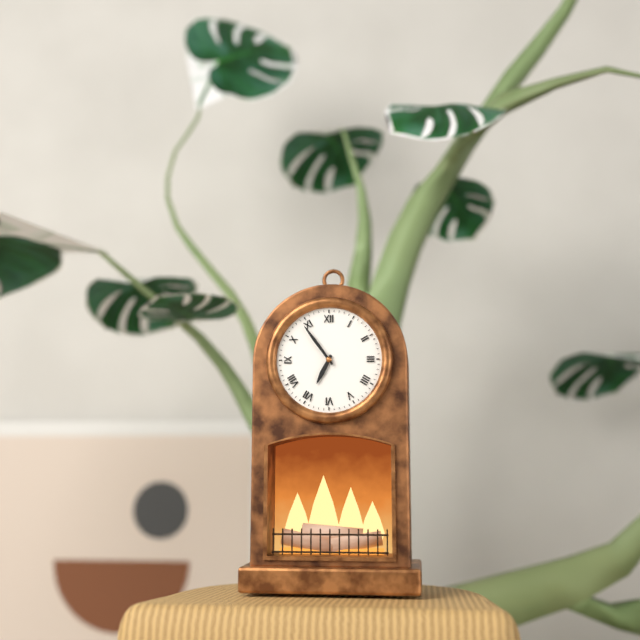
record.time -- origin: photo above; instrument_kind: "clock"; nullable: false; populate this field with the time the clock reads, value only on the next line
6:54
